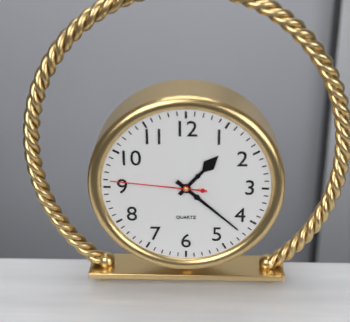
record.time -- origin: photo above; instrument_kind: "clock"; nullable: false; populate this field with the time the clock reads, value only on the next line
1:22:46
